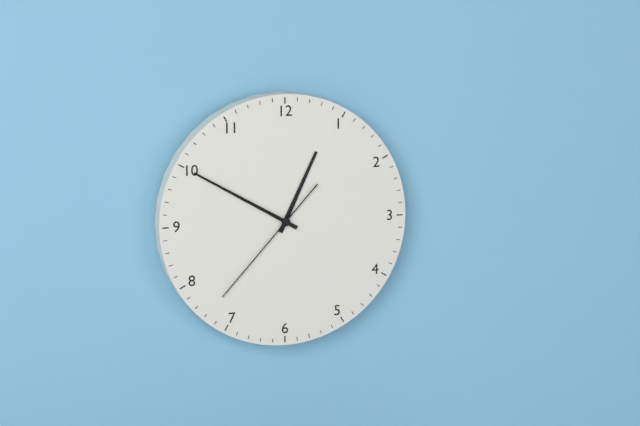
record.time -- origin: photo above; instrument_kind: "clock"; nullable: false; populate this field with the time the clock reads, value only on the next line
12:50:37
